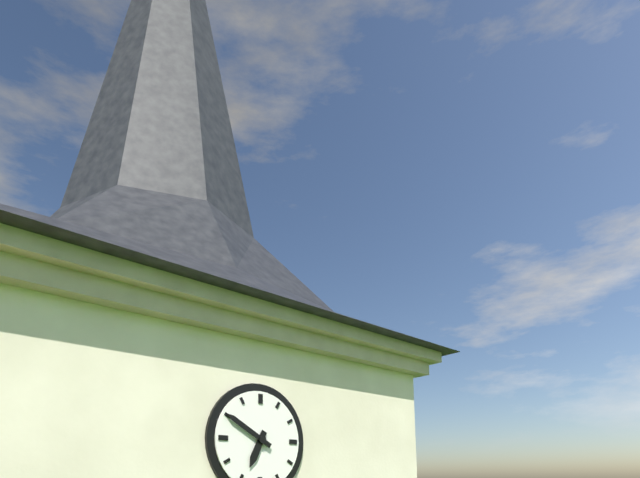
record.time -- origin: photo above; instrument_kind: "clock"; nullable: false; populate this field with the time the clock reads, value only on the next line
6:50
